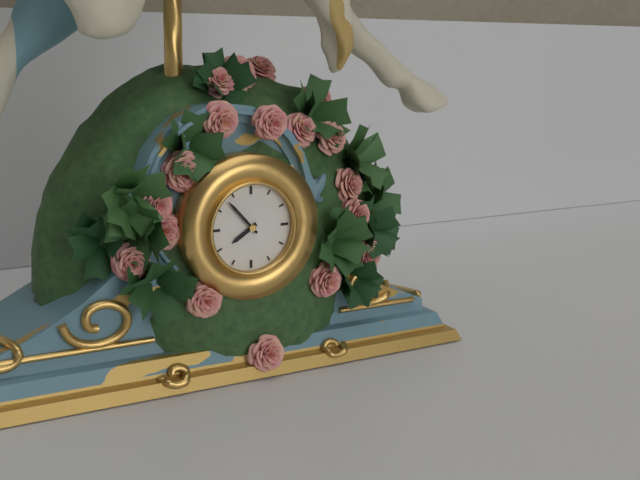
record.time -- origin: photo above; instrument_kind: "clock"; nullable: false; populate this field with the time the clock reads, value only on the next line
7:53
